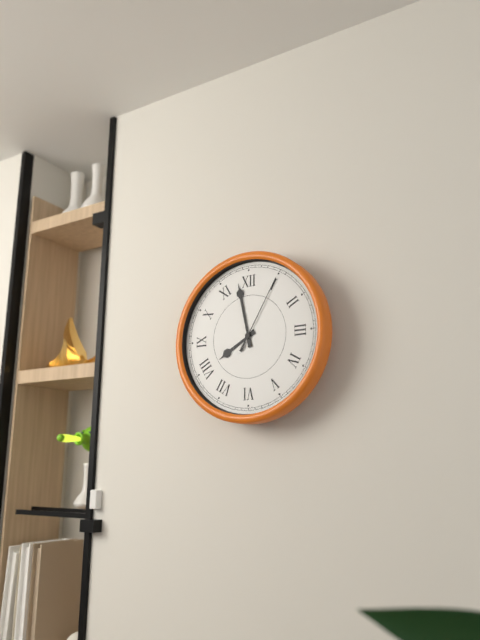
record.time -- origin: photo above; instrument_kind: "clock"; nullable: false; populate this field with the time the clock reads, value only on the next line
7:58:05
